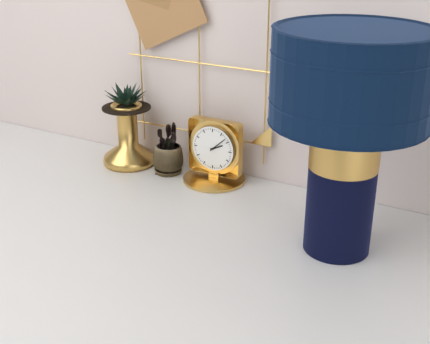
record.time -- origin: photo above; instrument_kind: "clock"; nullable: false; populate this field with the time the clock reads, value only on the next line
2:08
